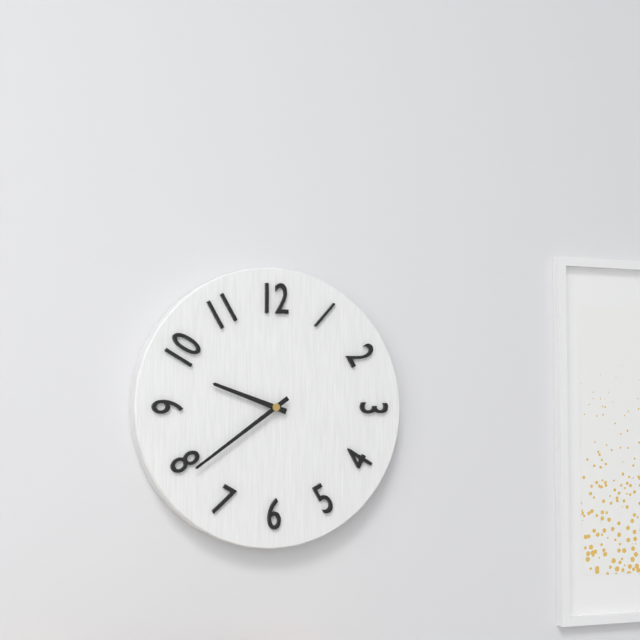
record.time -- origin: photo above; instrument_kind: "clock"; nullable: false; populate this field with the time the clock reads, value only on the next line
9:39
